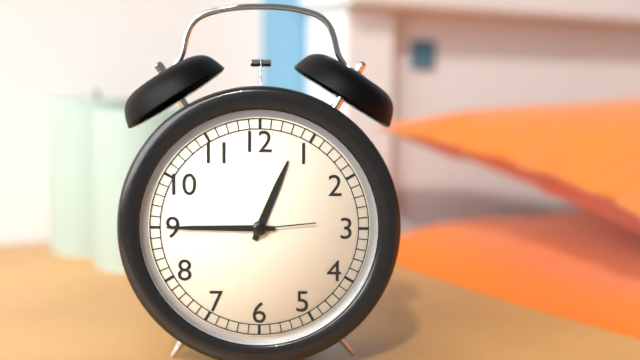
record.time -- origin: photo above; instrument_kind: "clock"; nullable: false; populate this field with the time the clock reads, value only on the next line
12:45:14
